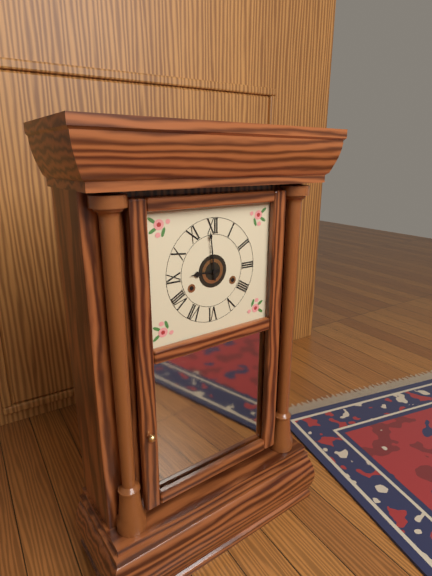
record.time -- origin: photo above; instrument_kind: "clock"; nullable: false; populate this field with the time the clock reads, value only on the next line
8:59
